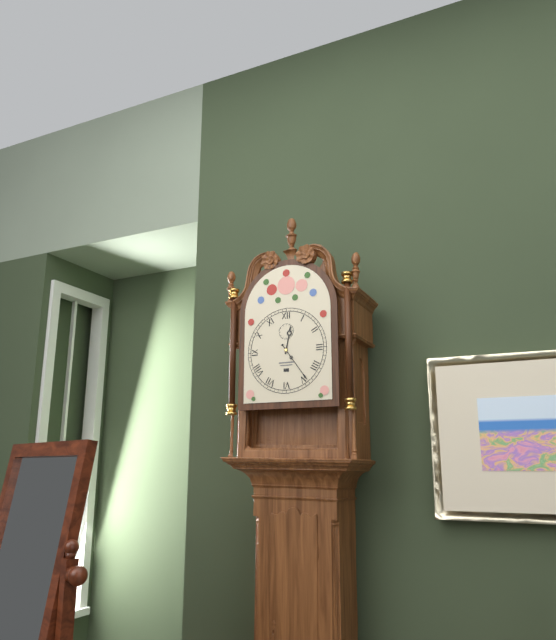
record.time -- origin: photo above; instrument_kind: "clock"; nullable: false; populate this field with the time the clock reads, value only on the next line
12:24
